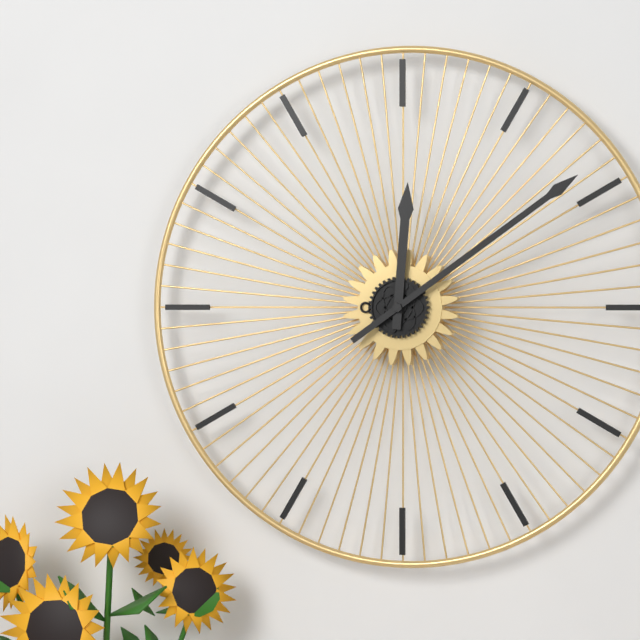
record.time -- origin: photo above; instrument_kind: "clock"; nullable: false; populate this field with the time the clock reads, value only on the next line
12:09
